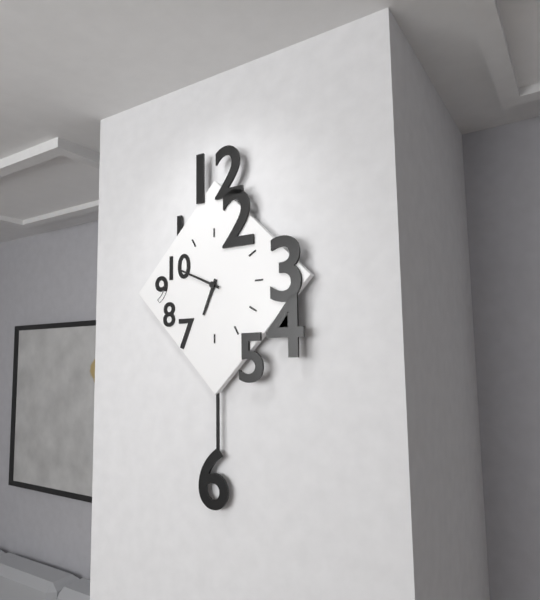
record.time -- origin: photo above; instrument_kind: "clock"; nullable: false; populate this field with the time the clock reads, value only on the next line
6:49
